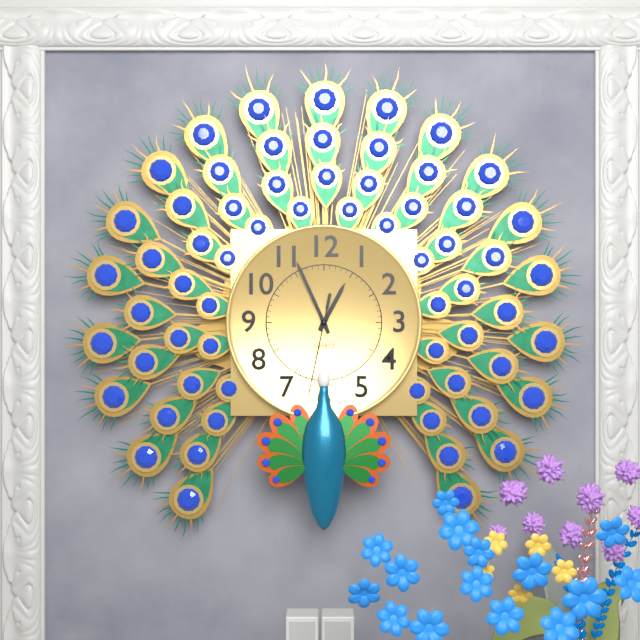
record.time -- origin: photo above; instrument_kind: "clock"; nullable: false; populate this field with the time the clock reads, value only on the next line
12:56:32
